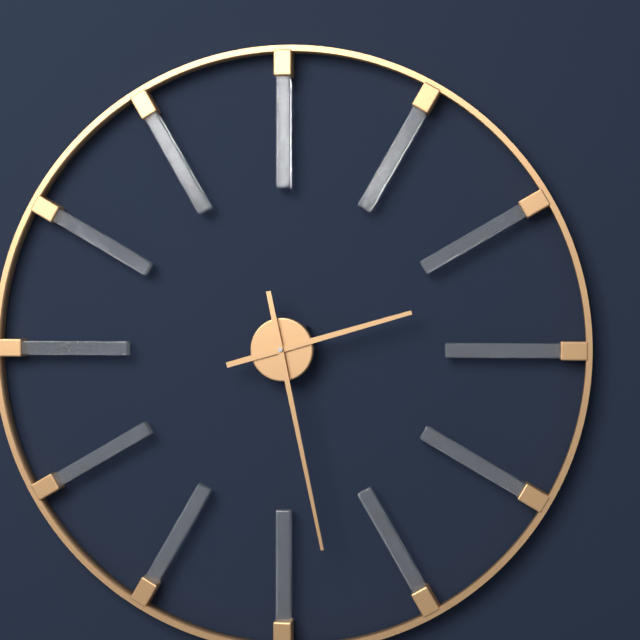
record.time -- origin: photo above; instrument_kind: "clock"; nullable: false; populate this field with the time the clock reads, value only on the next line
2:28
